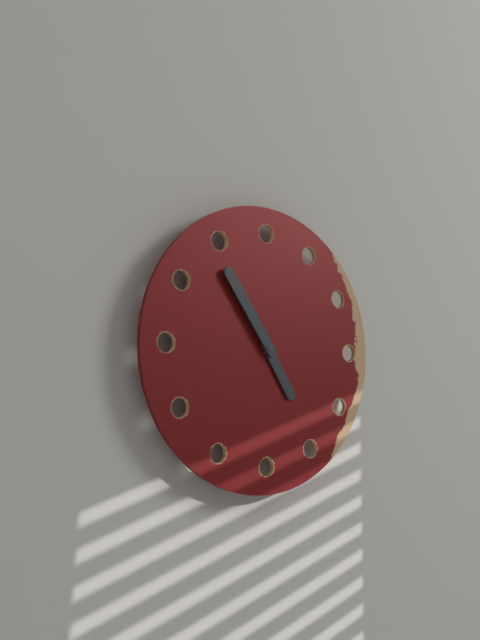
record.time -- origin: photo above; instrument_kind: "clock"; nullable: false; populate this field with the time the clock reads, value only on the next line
4:54
